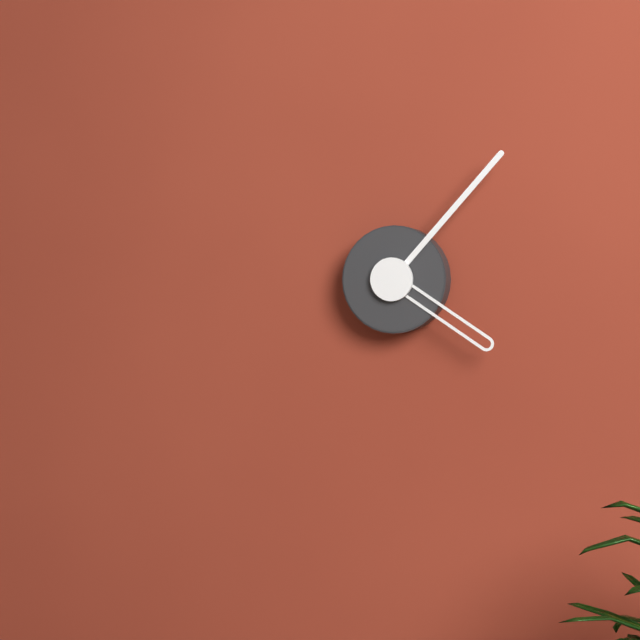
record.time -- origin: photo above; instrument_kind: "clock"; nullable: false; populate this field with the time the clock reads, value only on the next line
4:07
